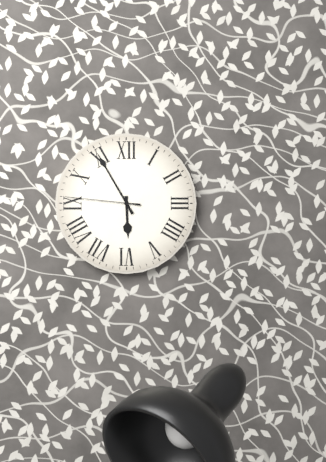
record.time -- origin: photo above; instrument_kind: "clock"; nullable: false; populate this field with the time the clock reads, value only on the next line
5:55:46
